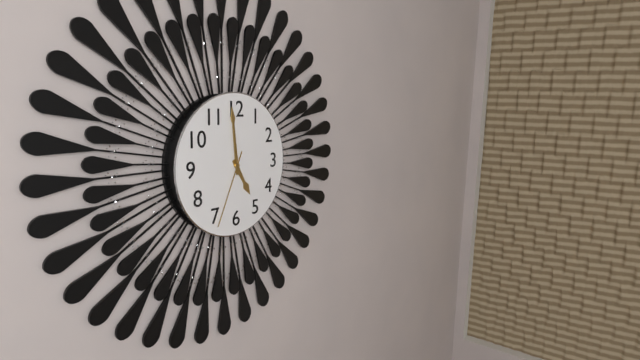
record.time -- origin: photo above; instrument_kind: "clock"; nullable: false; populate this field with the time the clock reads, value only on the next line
4:59:34
